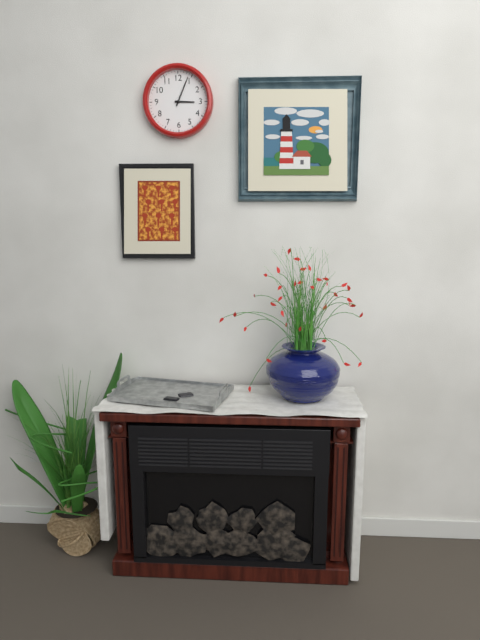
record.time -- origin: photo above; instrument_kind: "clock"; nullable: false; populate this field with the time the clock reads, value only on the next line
3:04
